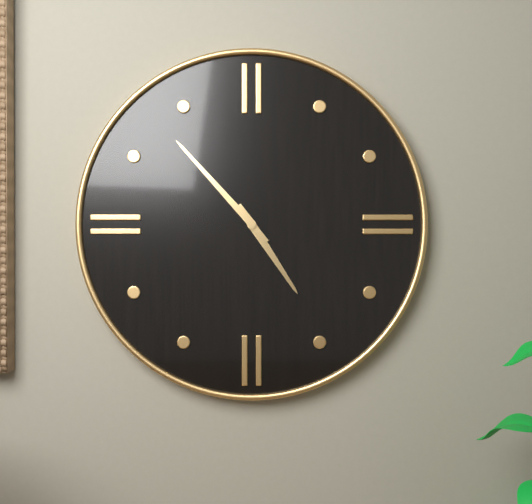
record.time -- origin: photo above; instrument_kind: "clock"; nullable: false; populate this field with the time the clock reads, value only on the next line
4:53
